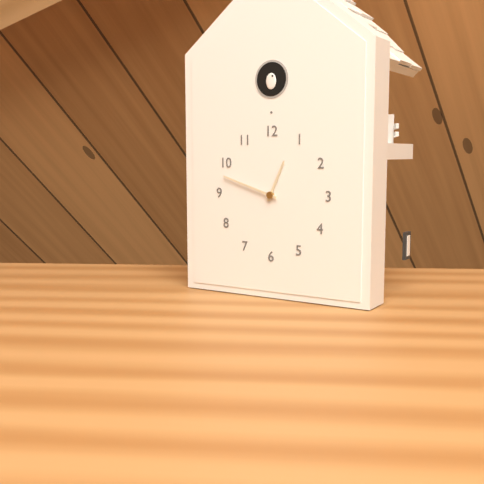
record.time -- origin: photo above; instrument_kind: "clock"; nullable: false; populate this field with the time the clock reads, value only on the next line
12:48
